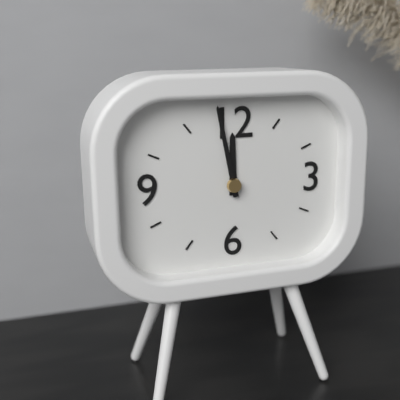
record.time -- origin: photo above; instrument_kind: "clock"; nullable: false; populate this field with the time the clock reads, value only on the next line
11:58
